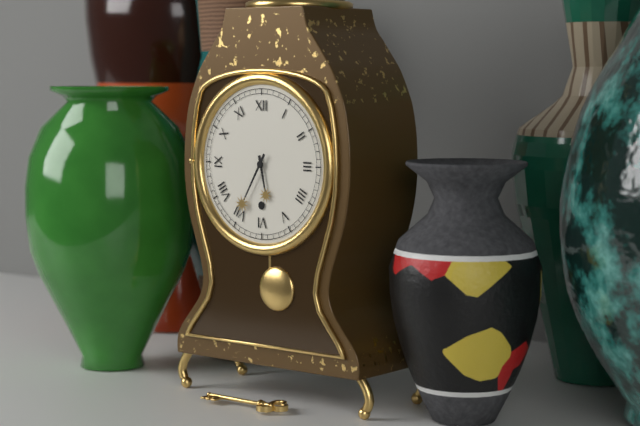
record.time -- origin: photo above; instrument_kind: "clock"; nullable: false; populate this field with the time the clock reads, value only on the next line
5:35
